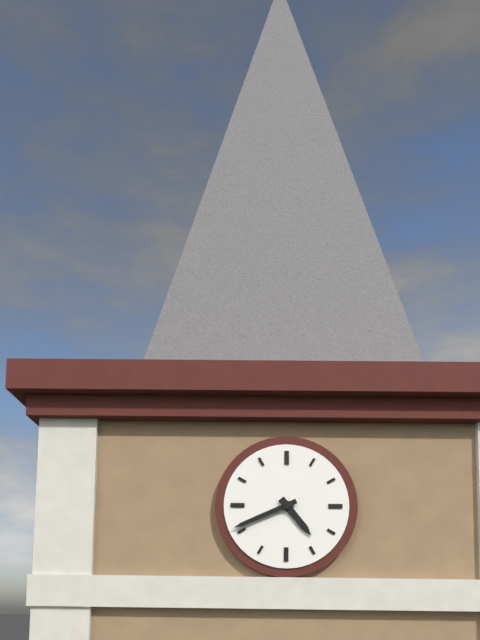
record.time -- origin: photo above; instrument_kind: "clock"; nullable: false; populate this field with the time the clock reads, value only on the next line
4:41
